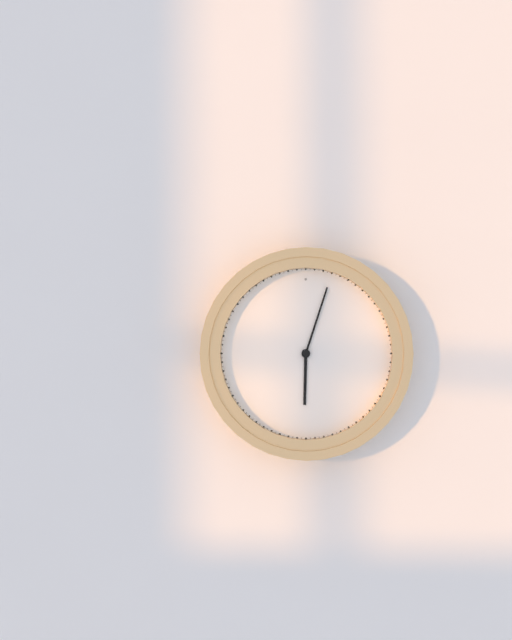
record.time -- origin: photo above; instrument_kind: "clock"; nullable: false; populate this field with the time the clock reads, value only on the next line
6:03
